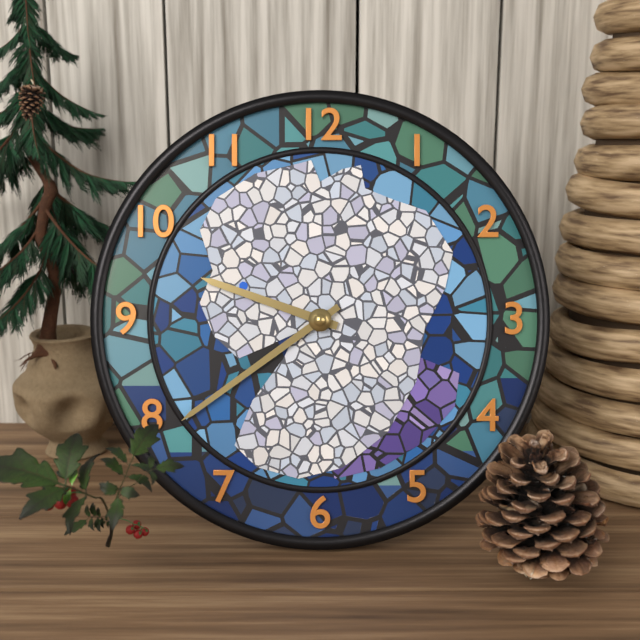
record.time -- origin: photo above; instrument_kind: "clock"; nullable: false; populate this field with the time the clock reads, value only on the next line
9:39
